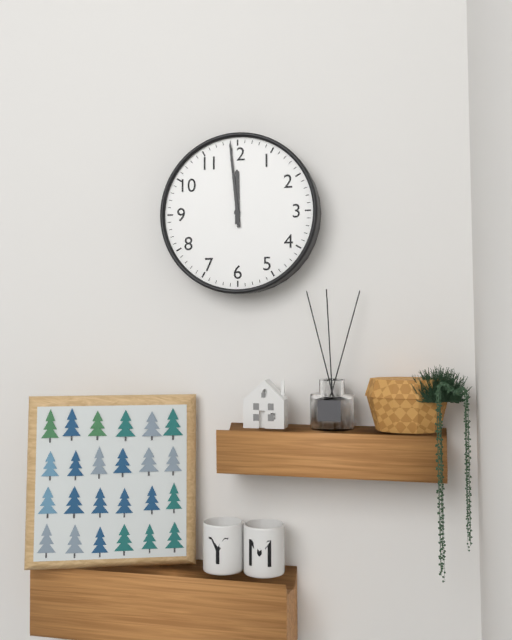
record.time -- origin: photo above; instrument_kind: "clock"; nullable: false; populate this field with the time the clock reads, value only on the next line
11:59
